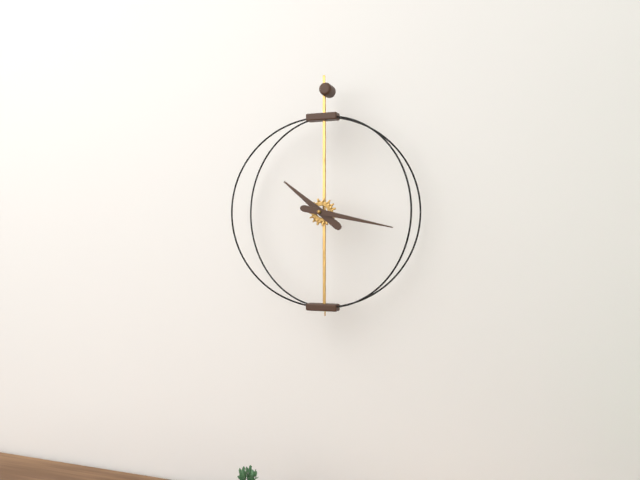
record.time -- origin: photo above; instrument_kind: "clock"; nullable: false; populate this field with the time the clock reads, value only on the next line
10:17
